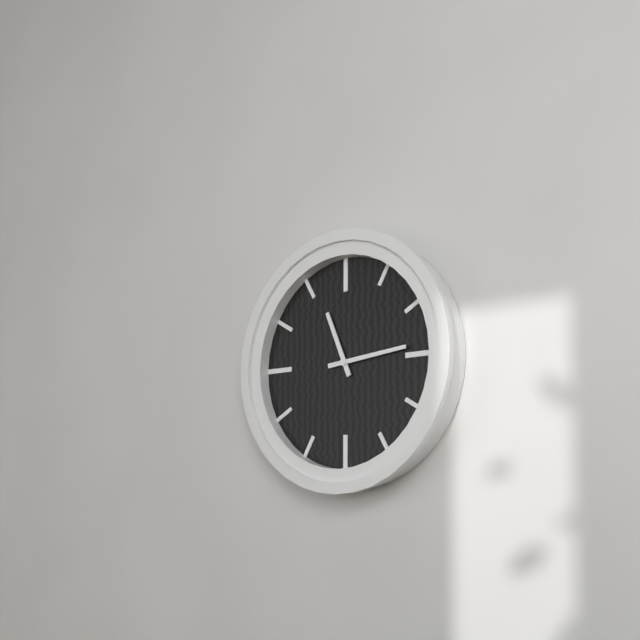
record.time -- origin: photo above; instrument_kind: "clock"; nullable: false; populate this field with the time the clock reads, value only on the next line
11:14
